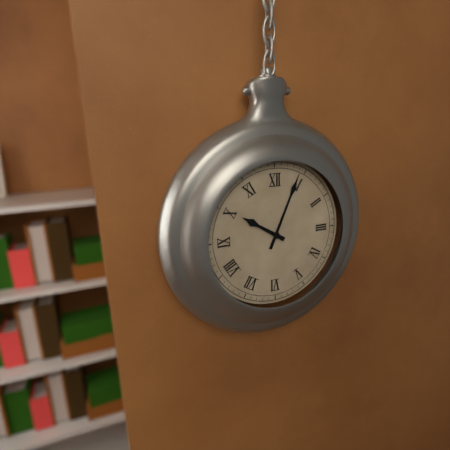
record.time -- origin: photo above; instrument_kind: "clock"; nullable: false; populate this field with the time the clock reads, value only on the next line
10:04
